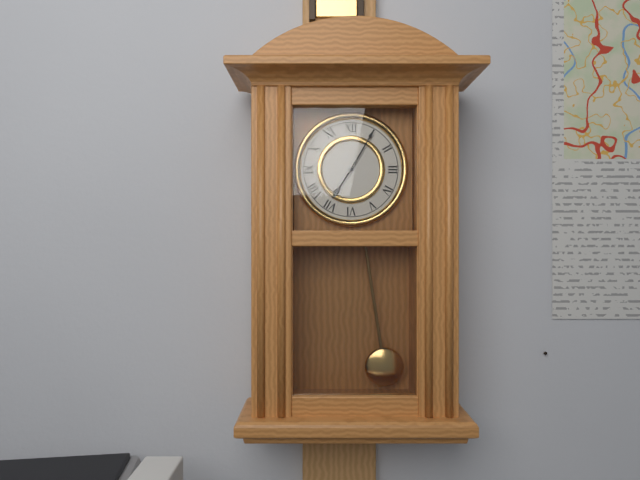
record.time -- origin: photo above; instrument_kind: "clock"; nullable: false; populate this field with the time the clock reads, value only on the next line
7:05
